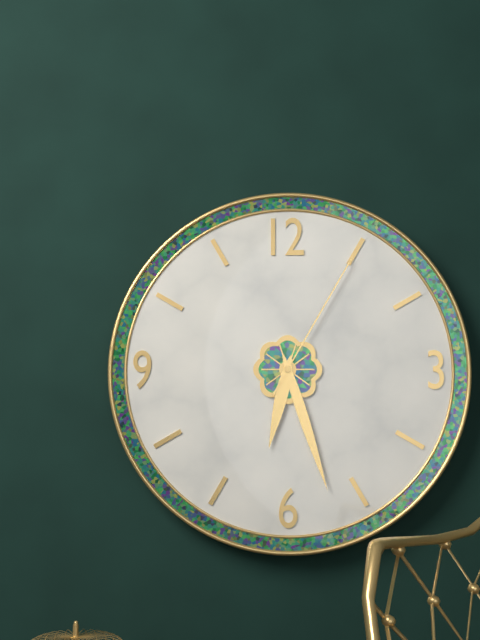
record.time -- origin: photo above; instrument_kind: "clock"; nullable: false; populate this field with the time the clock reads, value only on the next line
6:27:05
